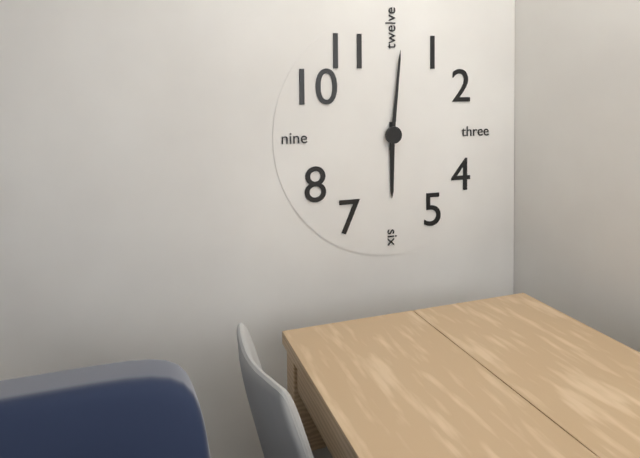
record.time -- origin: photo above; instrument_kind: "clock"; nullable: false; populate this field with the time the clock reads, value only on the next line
6:01
